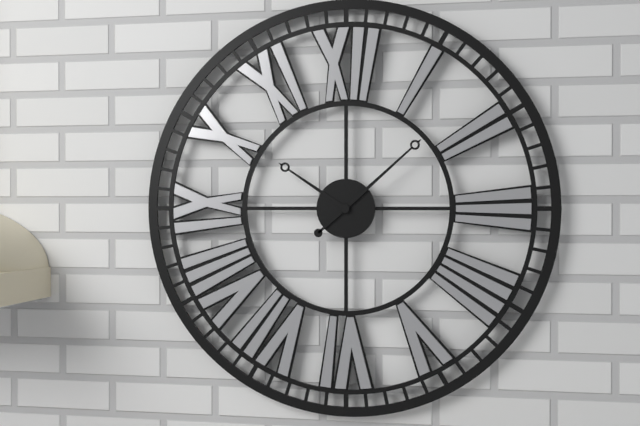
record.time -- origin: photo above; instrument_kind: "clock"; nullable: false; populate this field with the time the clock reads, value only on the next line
10:08
